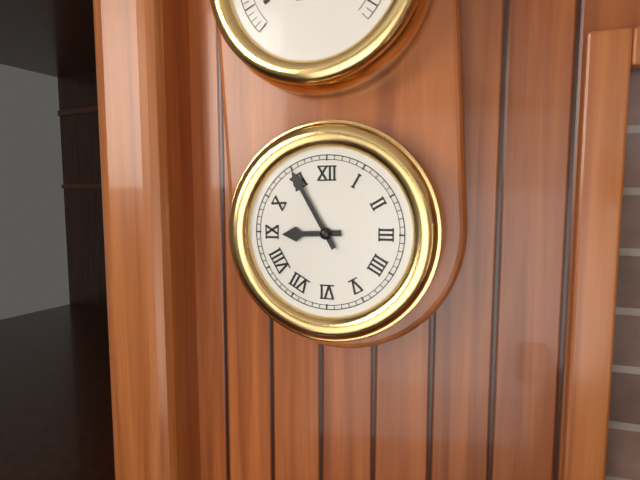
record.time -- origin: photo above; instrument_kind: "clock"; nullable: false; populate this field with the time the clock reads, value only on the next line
8:55
